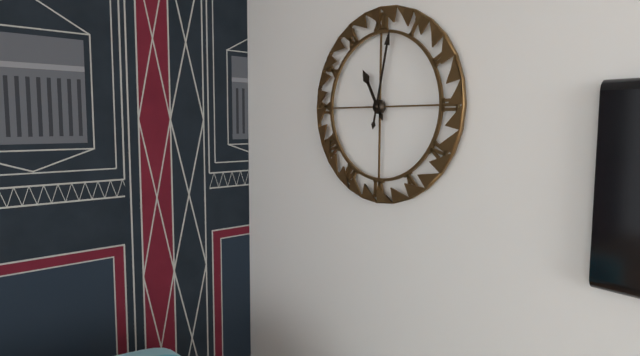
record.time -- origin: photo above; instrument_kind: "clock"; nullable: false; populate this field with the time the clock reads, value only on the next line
11:02
